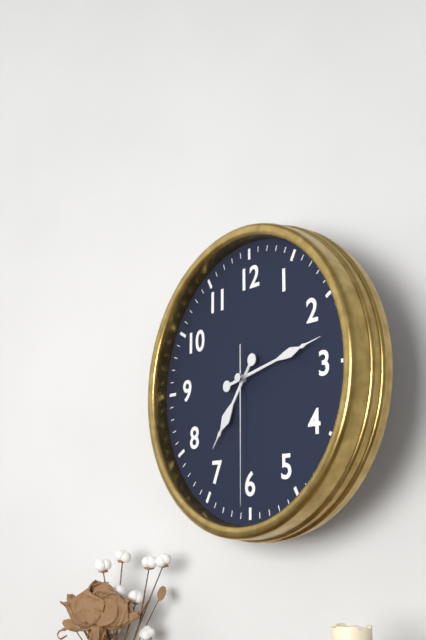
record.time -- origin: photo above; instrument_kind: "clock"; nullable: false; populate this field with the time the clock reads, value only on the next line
7:13:30
